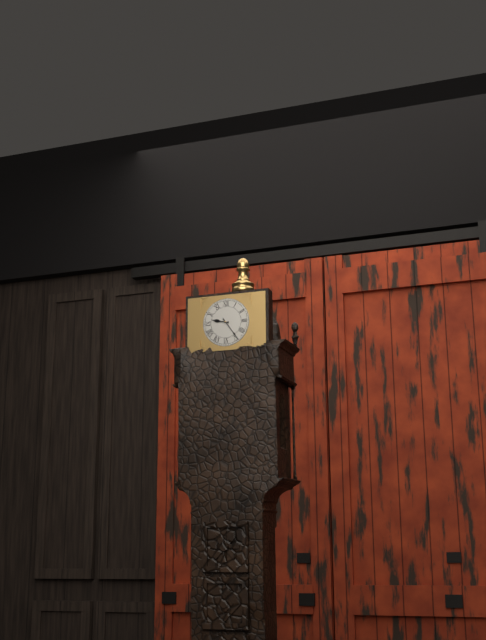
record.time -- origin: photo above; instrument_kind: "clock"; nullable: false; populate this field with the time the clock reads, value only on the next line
9:24
